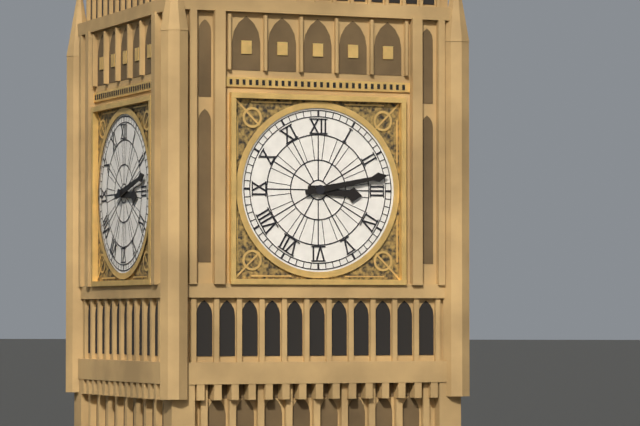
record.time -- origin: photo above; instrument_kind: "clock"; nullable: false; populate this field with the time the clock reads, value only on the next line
3:13
